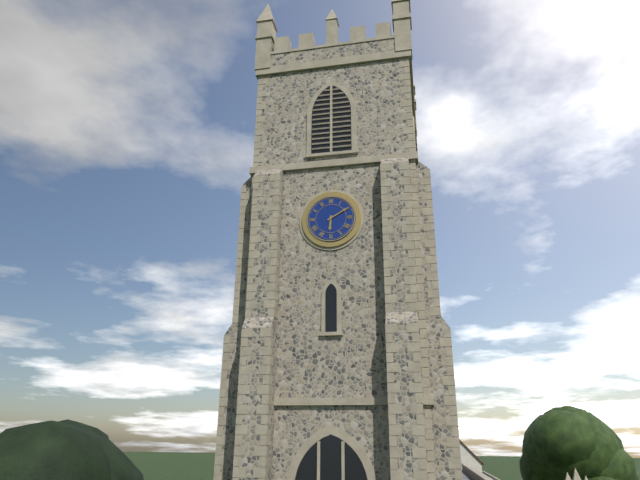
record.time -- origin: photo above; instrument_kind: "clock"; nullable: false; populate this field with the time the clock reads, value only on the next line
6:10
